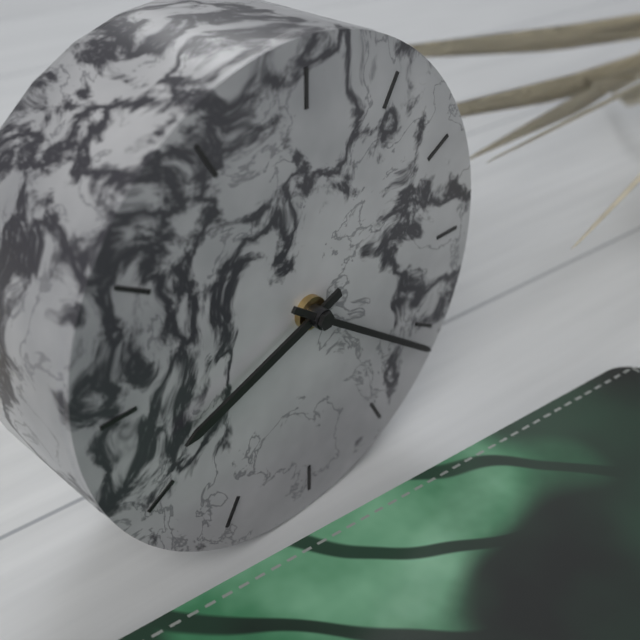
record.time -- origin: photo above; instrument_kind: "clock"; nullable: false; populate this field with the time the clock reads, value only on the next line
8:21
